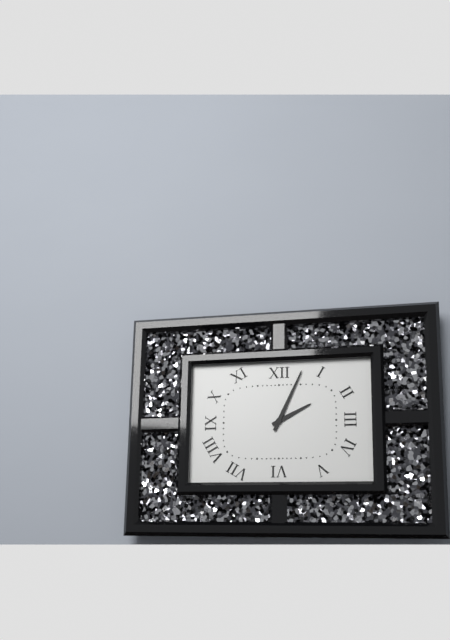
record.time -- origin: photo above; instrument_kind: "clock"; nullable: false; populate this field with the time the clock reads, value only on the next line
2:04
